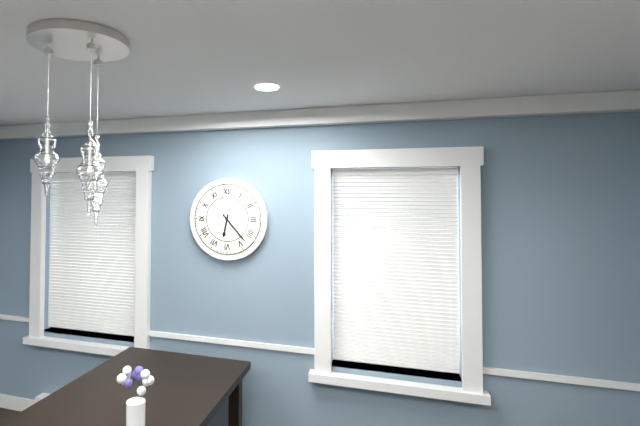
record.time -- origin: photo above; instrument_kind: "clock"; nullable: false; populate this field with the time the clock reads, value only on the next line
6:23
